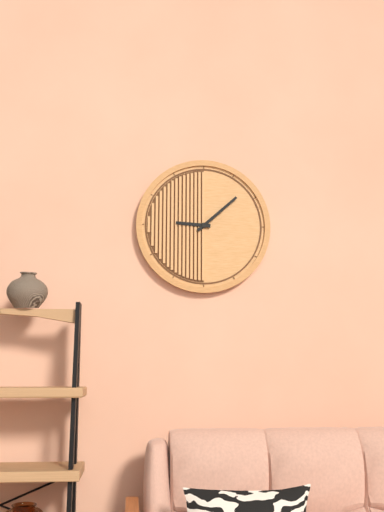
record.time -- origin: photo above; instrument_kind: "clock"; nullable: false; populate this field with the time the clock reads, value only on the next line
9:08
